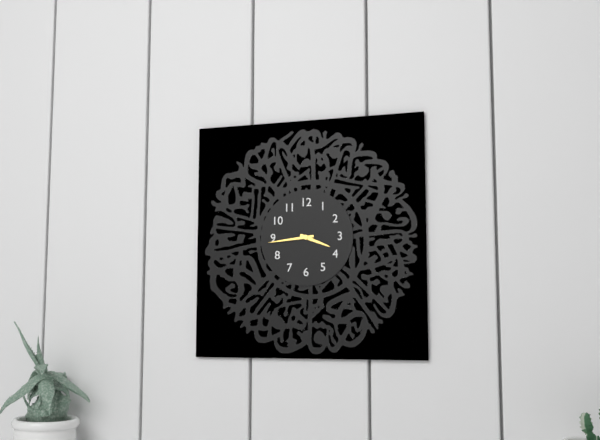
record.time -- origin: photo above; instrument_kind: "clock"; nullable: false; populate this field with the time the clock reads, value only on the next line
3:44
